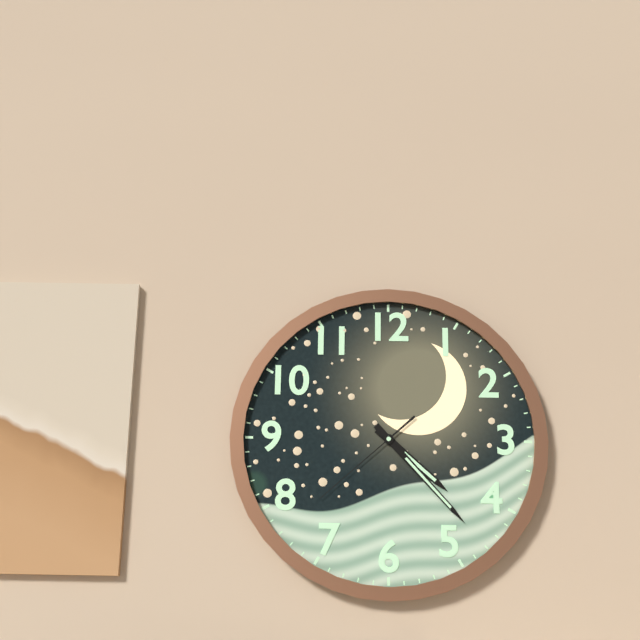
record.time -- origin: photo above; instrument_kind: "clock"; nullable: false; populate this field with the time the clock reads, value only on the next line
4:23:38
